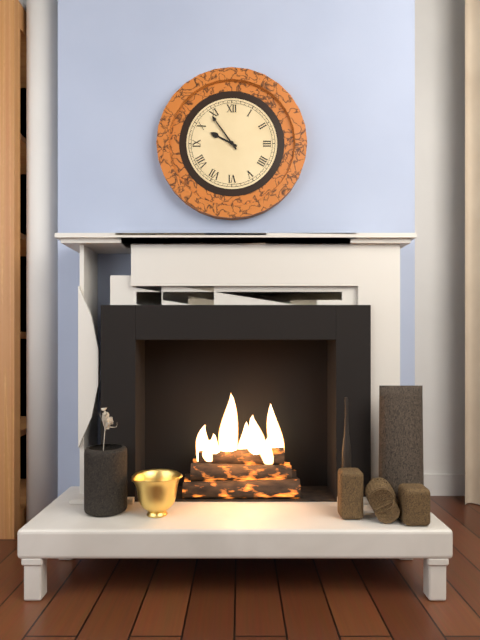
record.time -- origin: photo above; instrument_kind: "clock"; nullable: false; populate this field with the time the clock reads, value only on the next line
9:54
